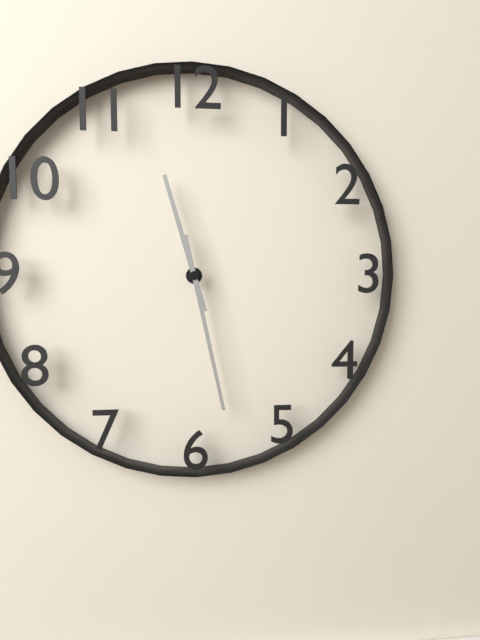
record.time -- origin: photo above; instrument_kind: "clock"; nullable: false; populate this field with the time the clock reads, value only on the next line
11:28
